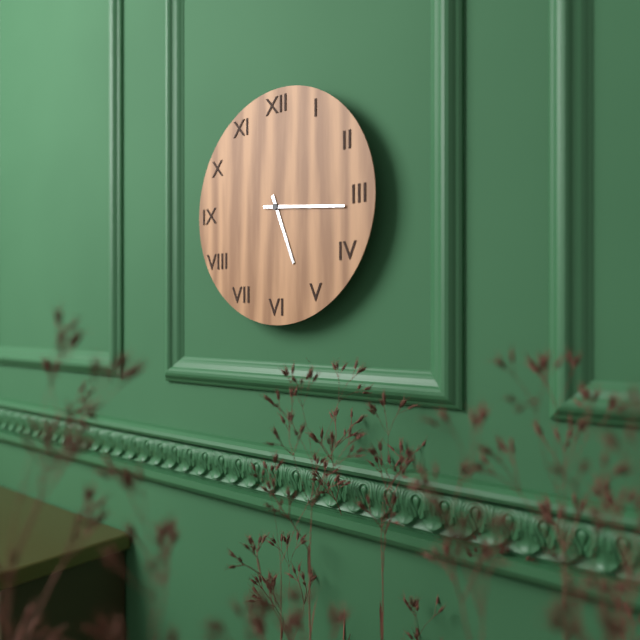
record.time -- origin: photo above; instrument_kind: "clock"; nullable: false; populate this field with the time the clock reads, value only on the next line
5:16
